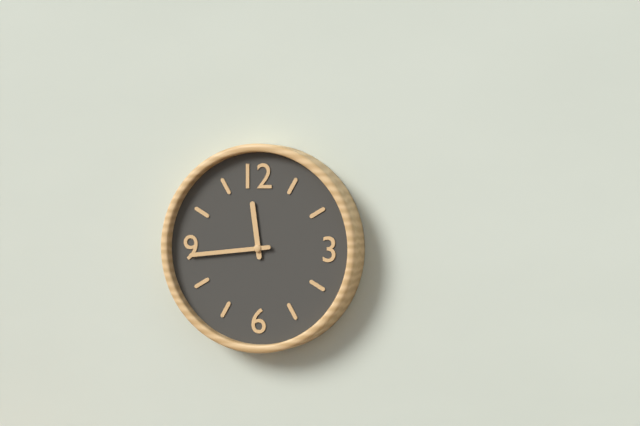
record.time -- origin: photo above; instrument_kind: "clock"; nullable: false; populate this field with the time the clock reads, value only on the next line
11:44
